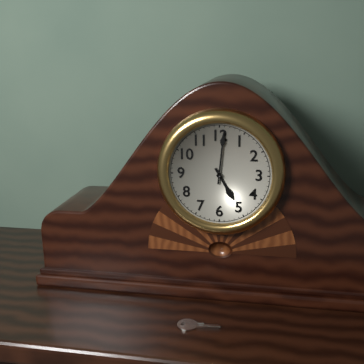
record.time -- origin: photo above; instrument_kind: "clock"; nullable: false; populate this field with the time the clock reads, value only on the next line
5:01
